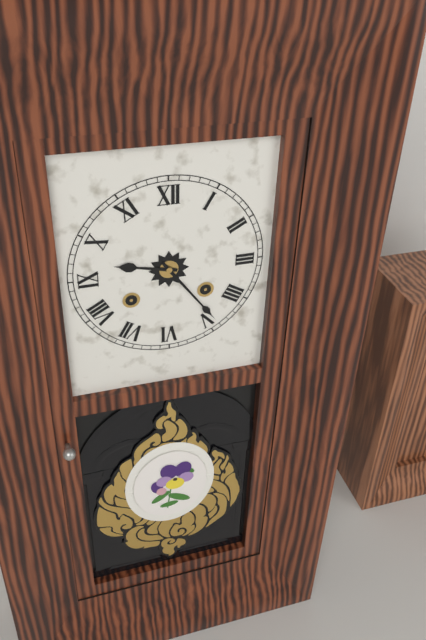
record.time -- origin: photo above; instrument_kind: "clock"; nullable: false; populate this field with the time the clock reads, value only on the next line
9:24
